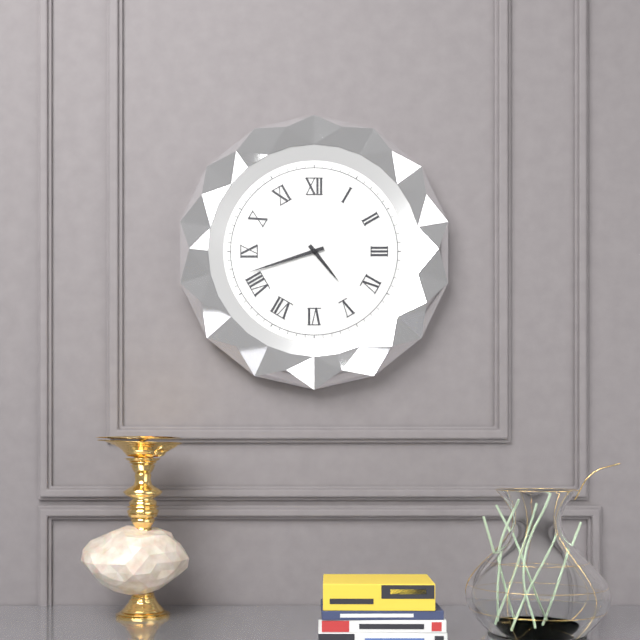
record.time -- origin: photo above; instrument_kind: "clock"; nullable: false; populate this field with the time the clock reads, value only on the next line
4:42
